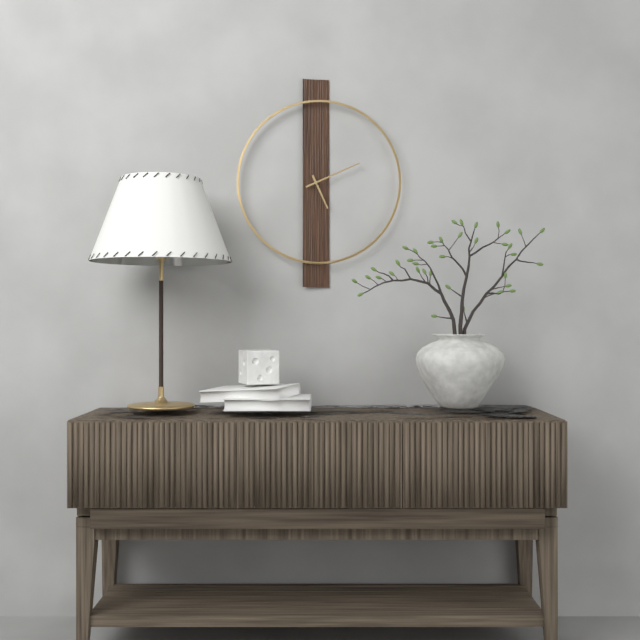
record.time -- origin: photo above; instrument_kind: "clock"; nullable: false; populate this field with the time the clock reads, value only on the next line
5:11
